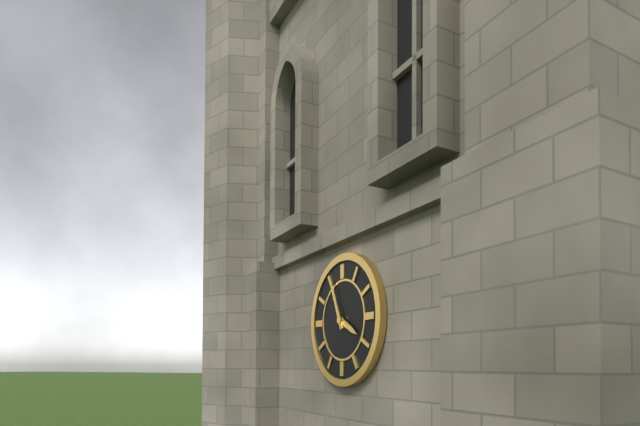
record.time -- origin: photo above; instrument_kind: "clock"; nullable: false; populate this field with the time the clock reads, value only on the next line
3:56
